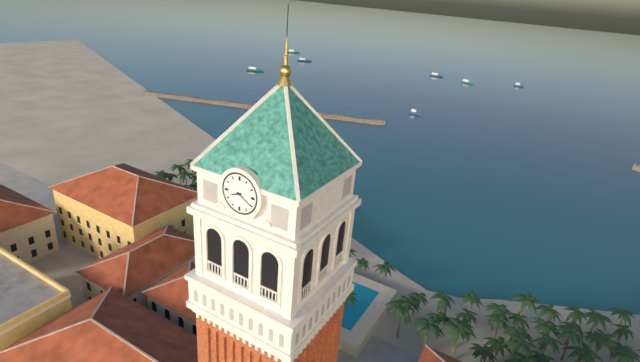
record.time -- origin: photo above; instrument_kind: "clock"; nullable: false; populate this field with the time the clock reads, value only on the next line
8:20
